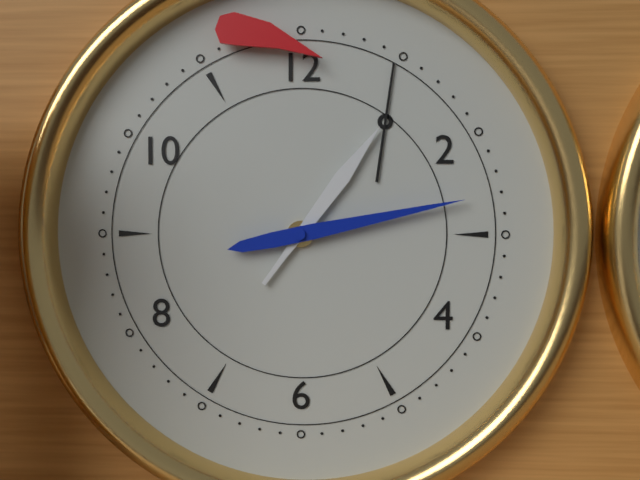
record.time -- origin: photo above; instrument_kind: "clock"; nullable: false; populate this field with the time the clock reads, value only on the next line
1:13
